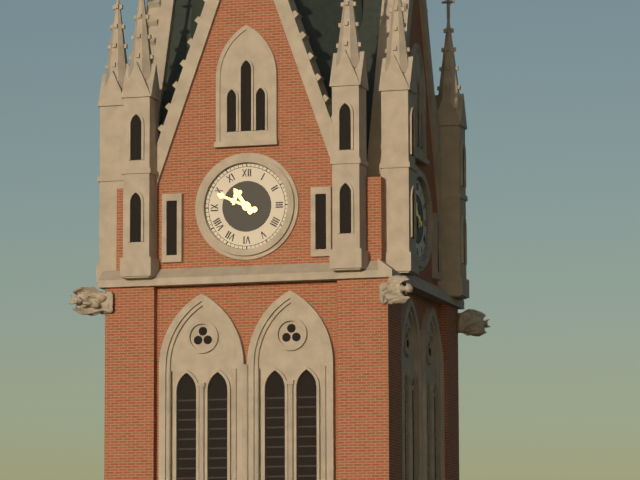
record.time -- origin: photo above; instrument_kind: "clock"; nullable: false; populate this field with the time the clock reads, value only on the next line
10:49
